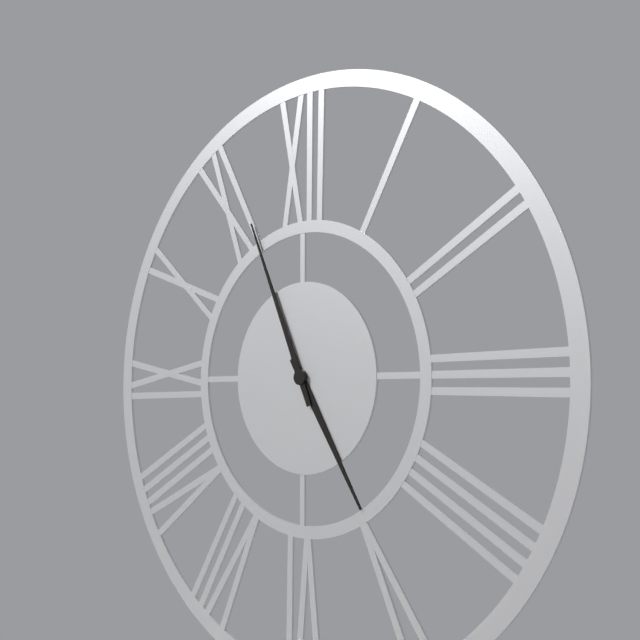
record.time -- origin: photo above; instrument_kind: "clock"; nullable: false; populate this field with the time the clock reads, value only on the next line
4:56
